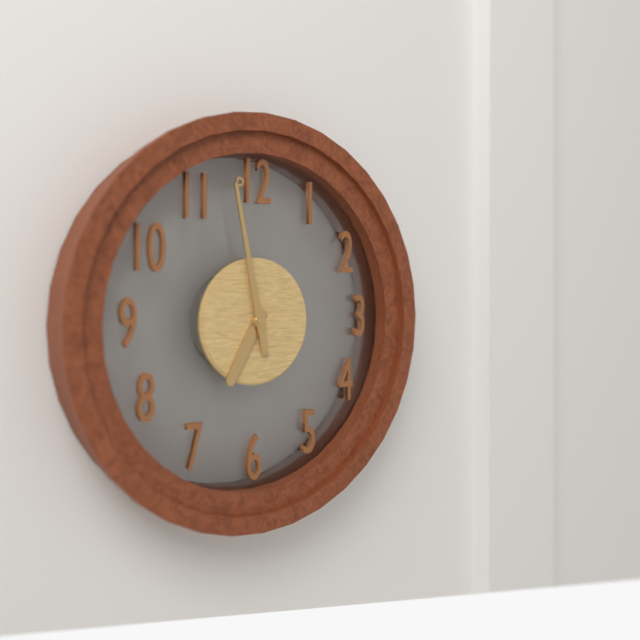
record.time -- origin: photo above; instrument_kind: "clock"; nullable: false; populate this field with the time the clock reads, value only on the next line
6:58
